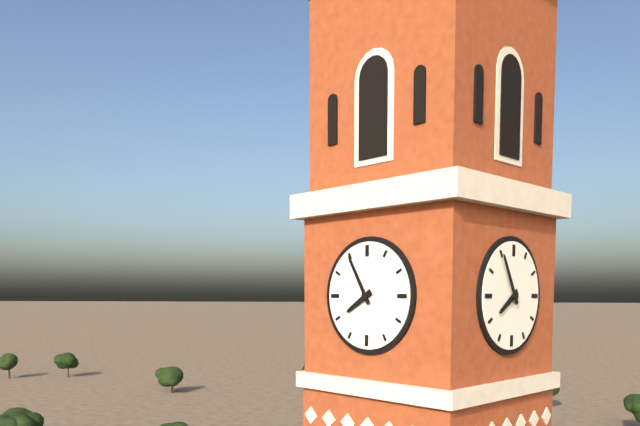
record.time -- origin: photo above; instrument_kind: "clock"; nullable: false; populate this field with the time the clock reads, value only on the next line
7:55
